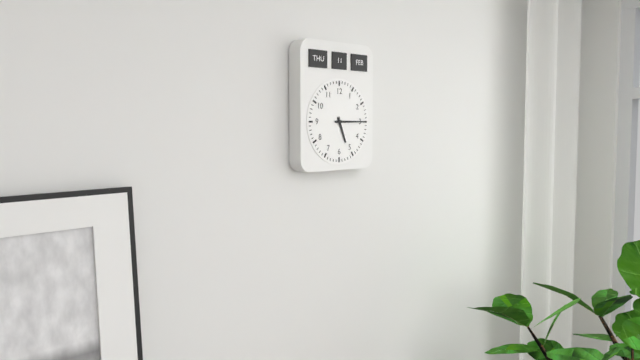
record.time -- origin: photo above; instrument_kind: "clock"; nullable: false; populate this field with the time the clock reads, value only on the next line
5:15
